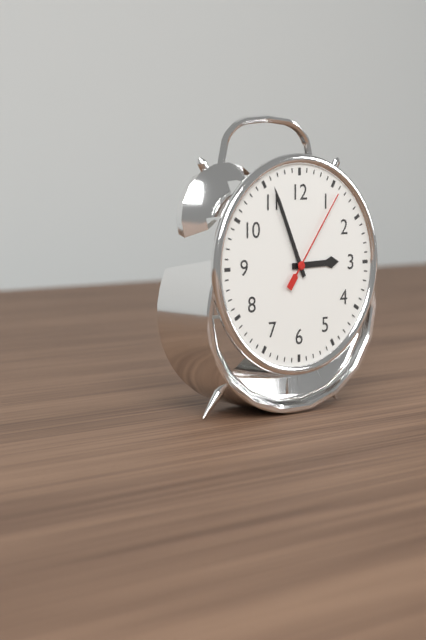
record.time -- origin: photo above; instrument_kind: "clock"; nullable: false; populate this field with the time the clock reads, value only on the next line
2:56:06
